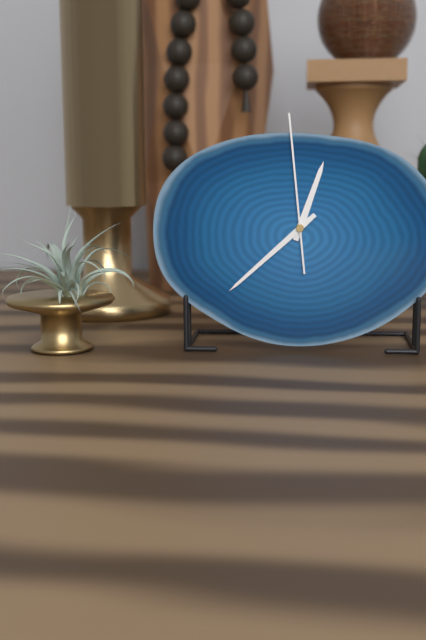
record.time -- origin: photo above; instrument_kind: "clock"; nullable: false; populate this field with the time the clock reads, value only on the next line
12:38:59
